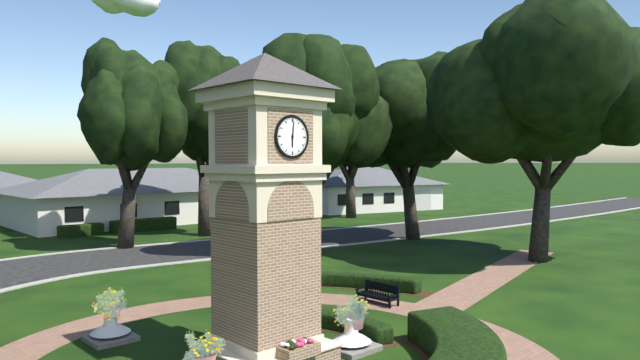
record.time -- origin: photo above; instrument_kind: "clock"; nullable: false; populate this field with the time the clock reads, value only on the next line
6:01
